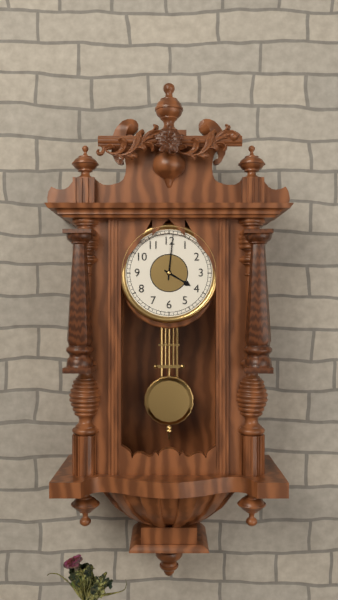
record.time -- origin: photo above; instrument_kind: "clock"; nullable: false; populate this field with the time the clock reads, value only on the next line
4:01
